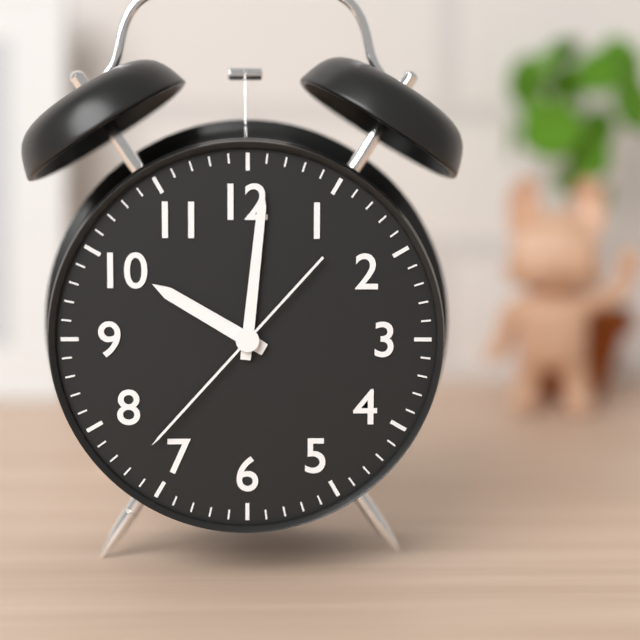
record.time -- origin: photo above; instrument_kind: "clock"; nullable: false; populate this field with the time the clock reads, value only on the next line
10:01:37
